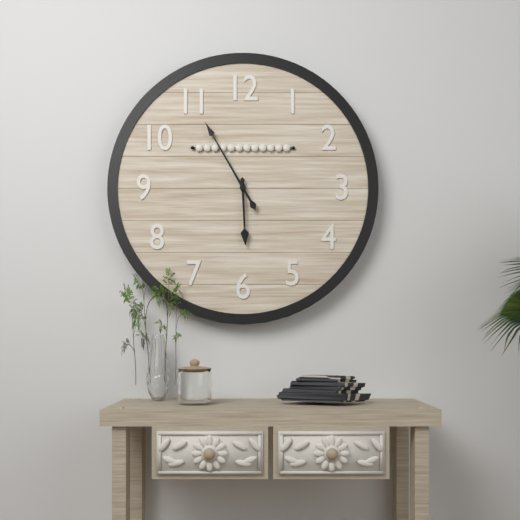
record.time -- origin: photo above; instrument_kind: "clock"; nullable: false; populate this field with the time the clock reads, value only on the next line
5:55
